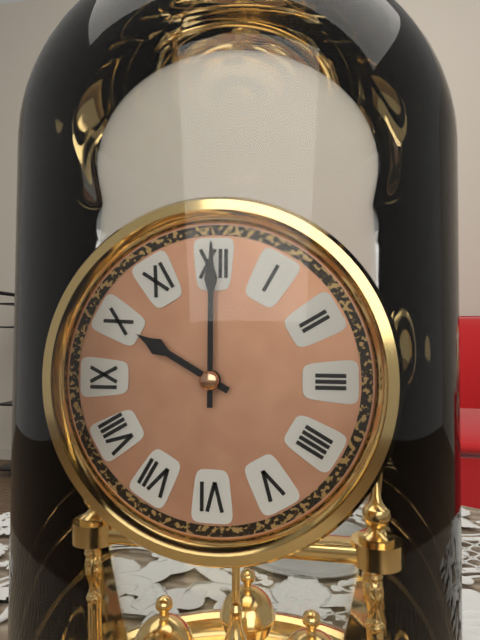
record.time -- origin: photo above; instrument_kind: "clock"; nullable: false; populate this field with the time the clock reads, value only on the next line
10:00
